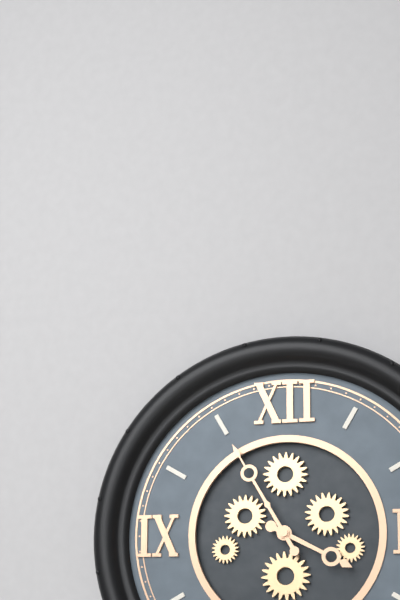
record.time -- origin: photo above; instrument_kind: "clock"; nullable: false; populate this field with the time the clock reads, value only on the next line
3:55
